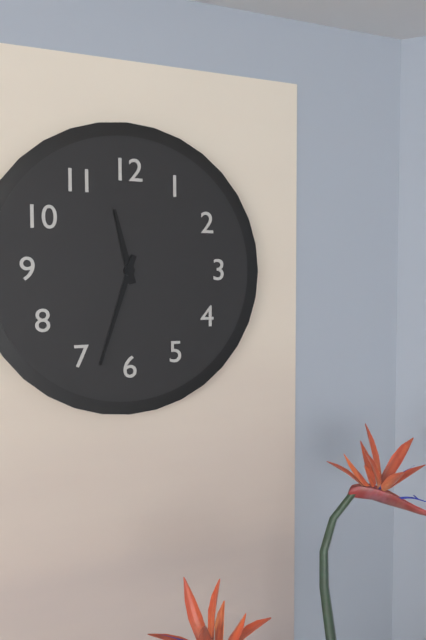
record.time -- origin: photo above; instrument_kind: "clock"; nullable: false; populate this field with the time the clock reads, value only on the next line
11:33
